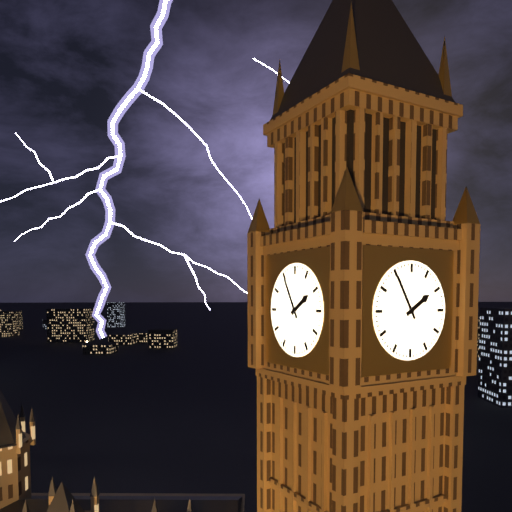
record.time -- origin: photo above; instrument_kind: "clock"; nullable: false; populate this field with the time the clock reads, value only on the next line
1:55
